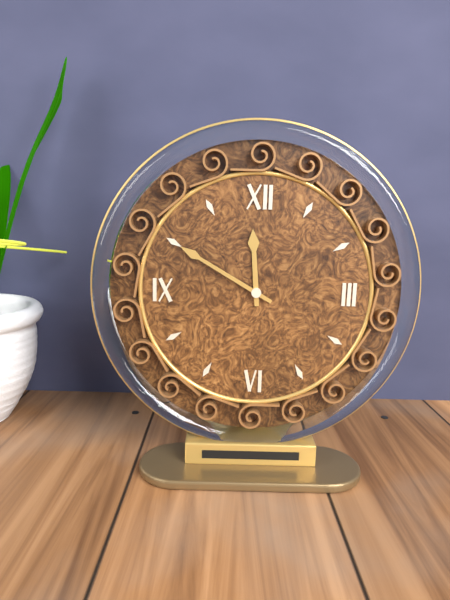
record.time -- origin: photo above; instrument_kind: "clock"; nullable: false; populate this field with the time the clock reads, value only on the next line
11:50
